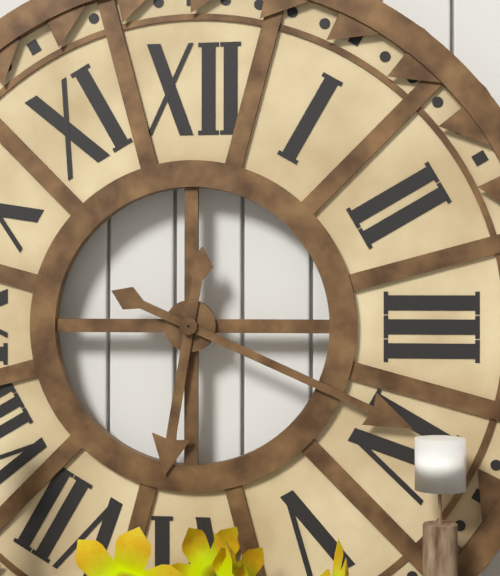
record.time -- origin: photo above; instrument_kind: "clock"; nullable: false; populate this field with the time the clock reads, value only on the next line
6:19
